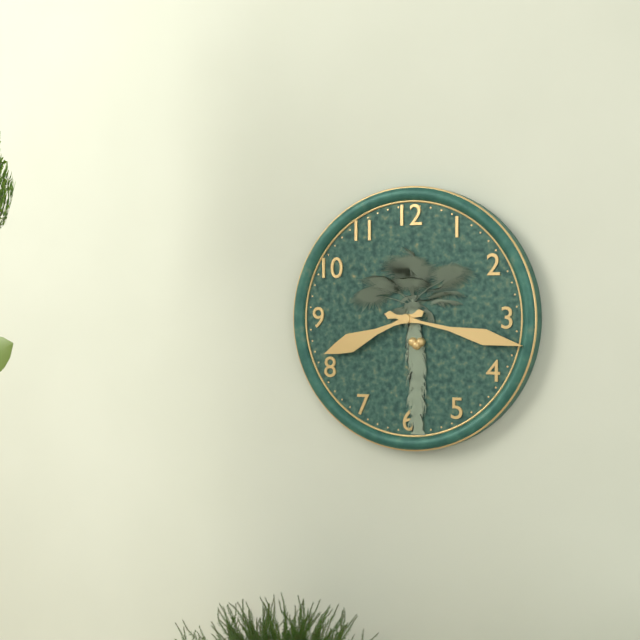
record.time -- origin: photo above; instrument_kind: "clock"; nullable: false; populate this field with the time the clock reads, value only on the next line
8:17
